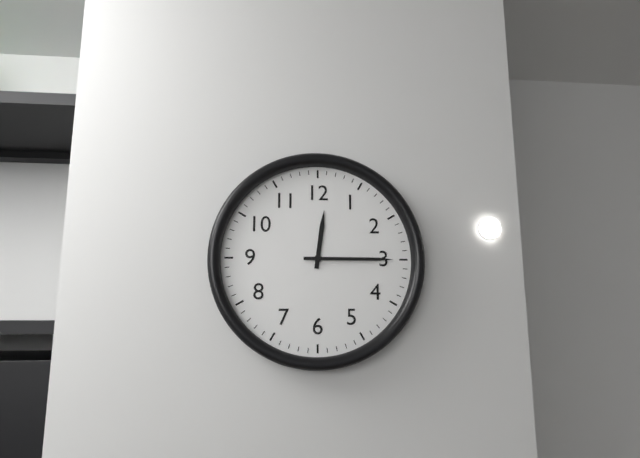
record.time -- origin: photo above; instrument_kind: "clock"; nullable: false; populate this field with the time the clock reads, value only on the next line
12:15
